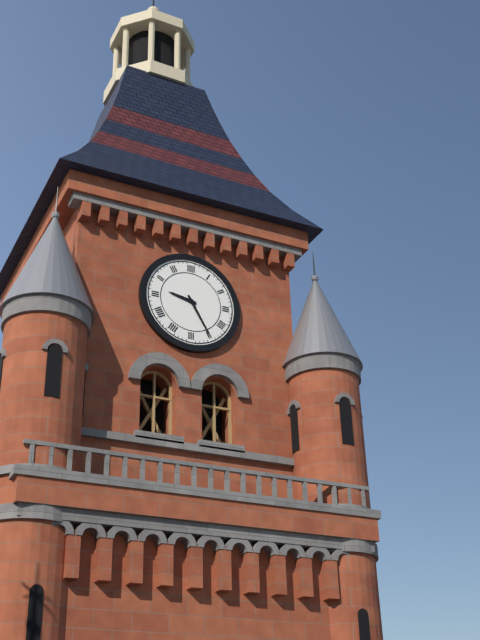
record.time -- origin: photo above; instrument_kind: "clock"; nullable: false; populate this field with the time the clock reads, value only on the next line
9:25
